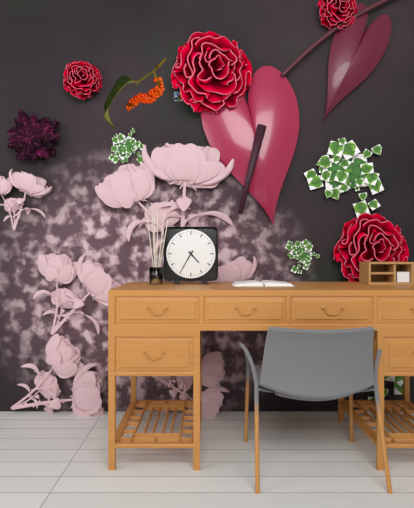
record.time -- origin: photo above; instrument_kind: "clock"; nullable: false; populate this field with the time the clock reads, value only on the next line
4:35
